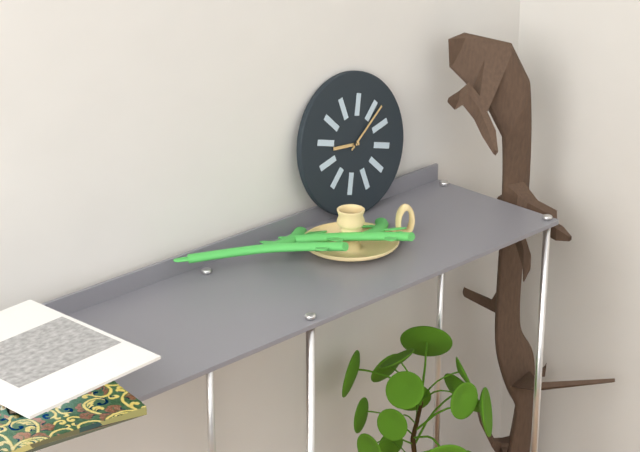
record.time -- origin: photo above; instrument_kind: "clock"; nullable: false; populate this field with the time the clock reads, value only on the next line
9:09
